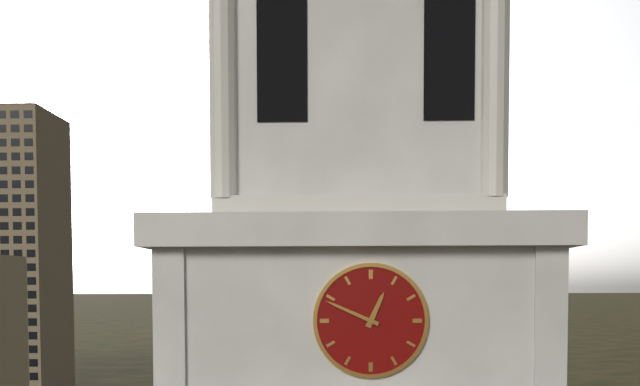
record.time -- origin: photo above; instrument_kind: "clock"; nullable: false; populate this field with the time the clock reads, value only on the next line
12:49
